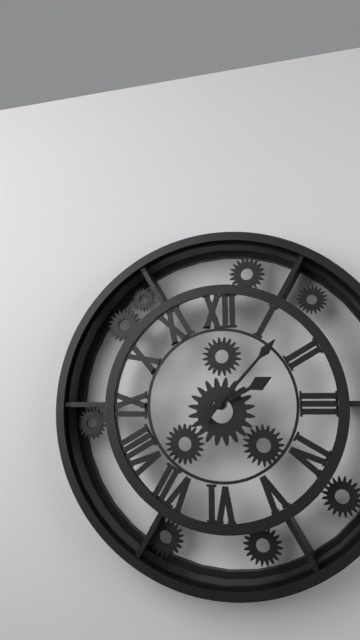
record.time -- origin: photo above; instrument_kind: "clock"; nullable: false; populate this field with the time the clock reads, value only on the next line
2:07
